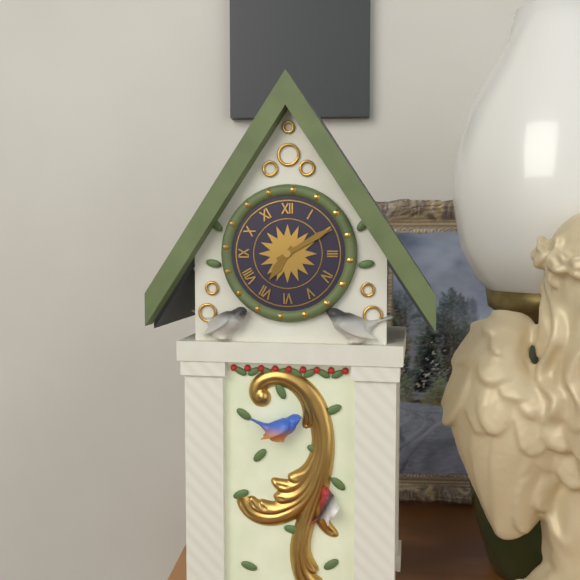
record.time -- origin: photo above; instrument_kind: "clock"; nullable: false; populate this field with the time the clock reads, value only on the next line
7:10
